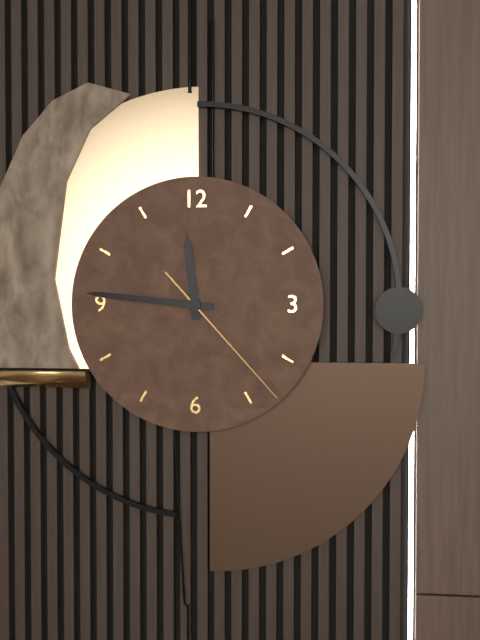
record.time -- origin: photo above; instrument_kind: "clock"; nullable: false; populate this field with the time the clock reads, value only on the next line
11:46:23
